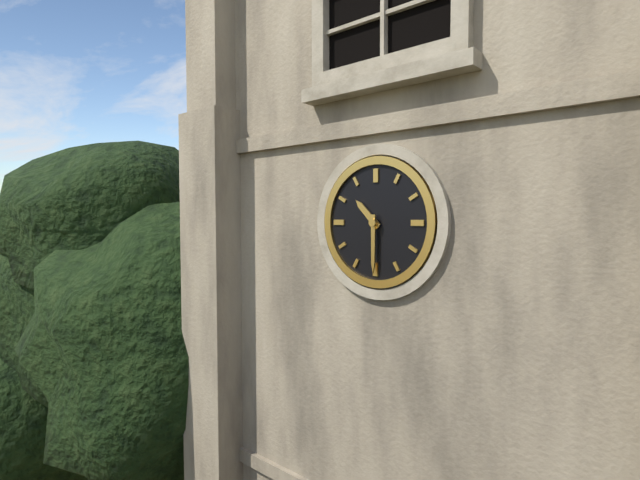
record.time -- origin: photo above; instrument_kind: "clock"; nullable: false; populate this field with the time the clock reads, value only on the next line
10:30
